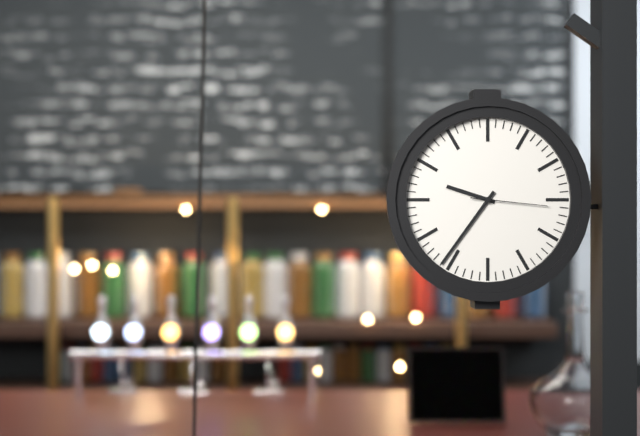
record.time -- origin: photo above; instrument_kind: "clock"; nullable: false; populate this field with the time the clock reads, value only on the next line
9:36:16
